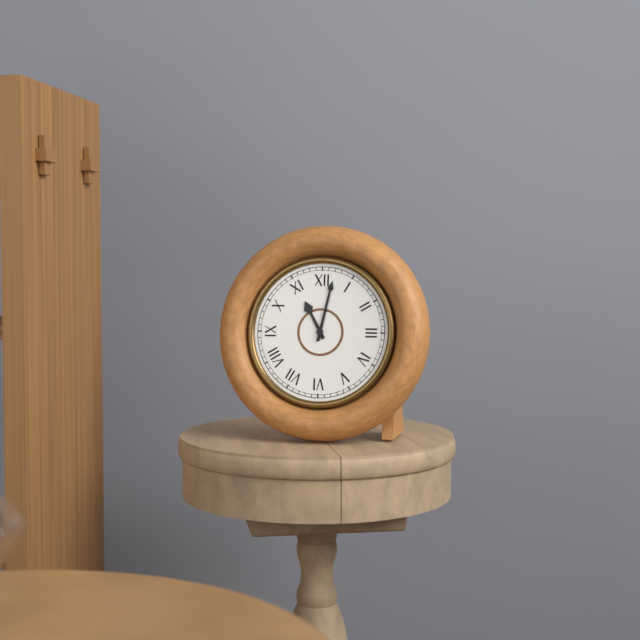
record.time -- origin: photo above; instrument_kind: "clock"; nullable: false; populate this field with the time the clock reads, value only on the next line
11:02
